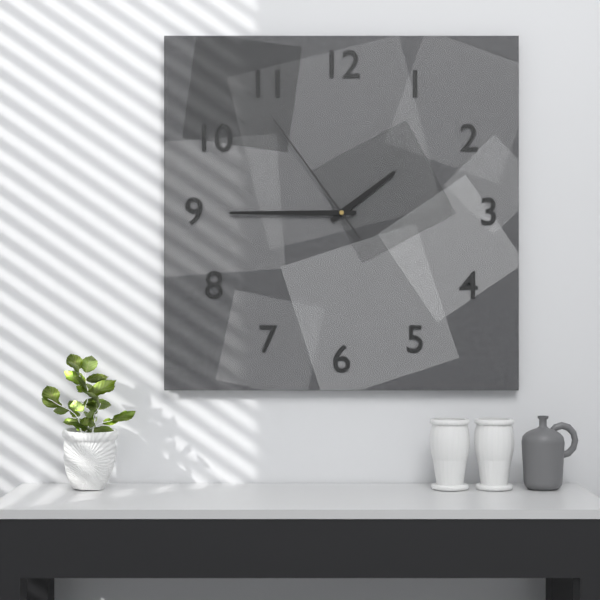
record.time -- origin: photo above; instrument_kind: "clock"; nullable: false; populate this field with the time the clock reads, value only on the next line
1:45:54
